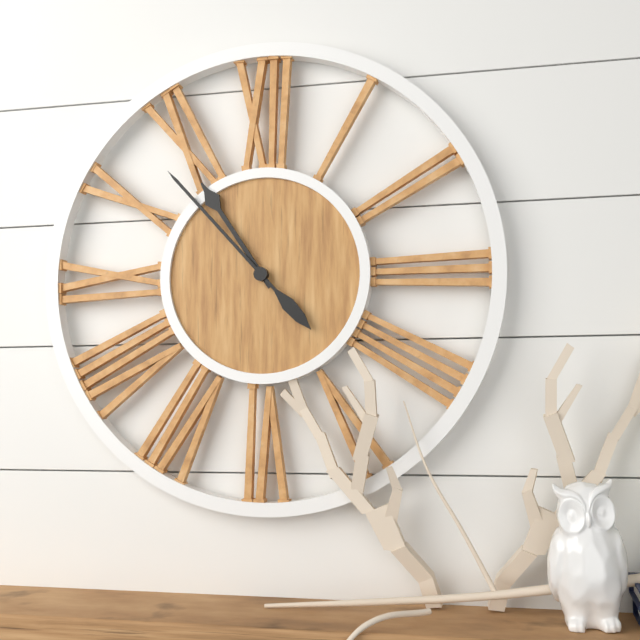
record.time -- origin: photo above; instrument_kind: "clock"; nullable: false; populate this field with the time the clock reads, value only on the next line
10:53
